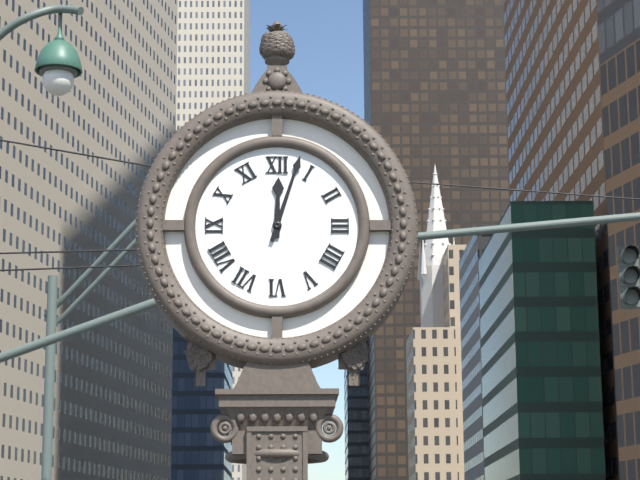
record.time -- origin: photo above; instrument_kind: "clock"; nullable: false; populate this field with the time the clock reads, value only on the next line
12:03
